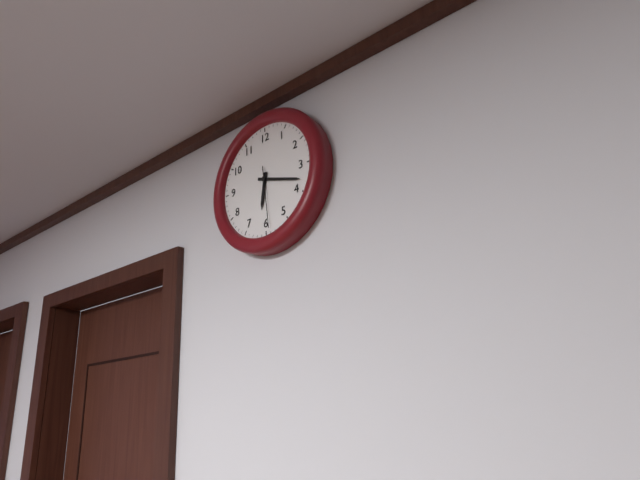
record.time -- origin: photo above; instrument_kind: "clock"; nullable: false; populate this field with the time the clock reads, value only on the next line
6:18:29
